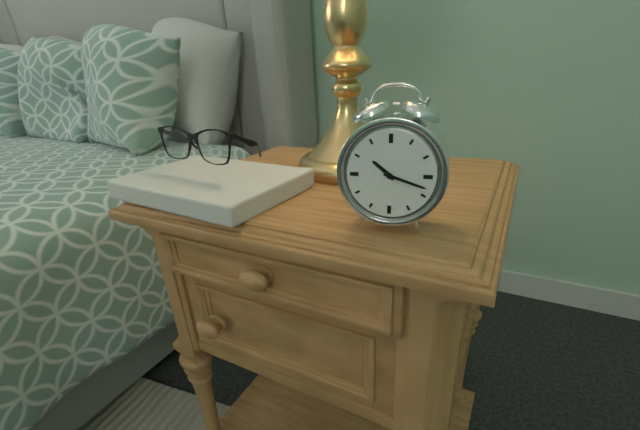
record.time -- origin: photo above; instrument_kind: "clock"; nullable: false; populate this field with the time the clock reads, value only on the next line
10:18
